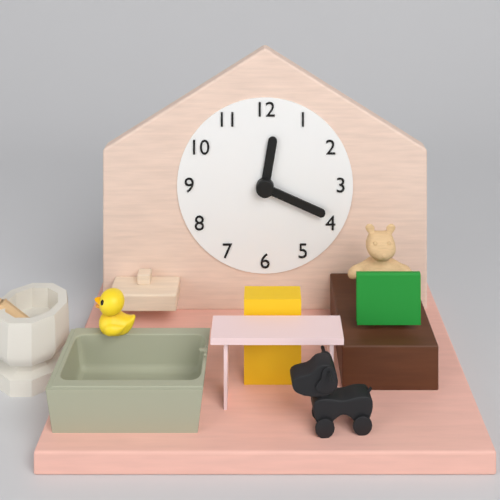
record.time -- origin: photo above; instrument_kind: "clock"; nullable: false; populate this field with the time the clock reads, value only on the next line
12:19
